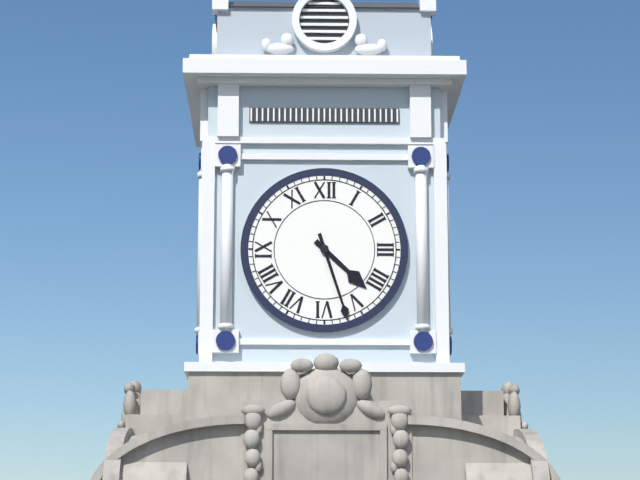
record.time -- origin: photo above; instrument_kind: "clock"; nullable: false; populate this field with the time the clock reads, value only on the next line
4:27
